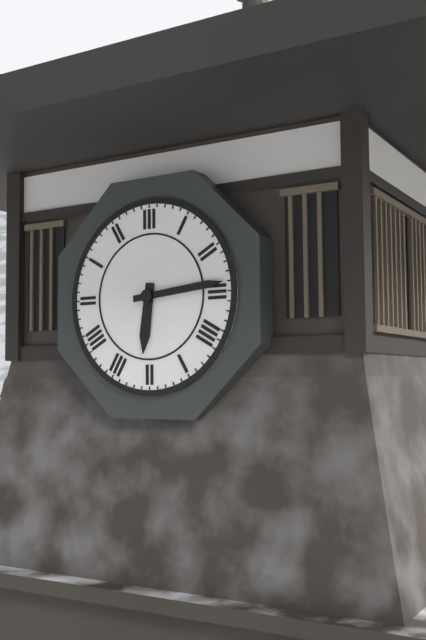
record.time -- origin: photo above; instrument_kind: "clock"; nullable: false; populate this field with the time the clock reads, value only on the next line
6:14
